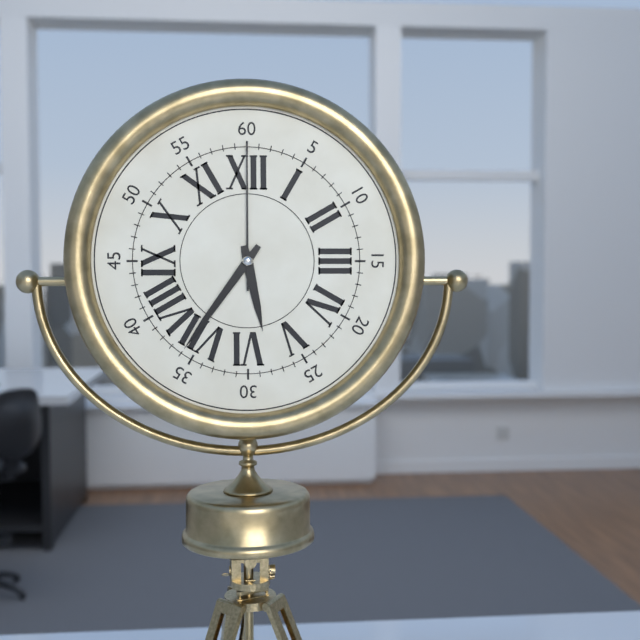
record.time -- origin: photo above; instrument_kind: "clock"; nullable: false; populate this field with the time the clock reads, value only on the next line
5:36:00
